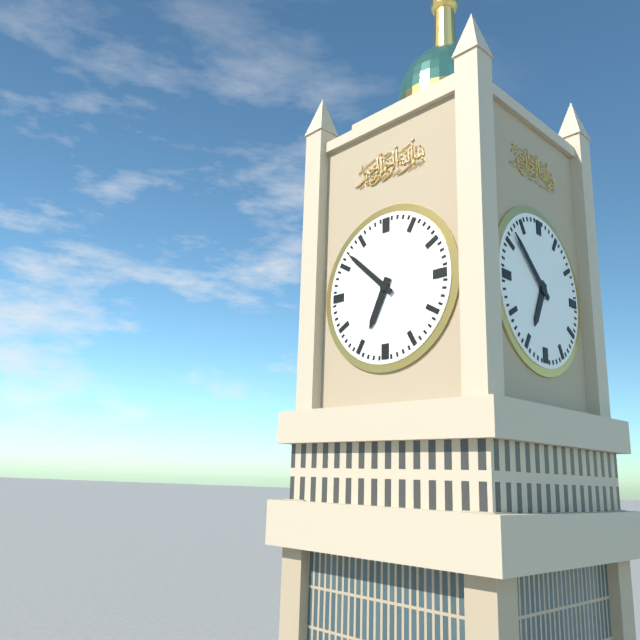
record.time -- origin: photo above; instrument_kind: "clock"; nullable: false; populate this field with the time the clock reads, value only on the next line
6:52
